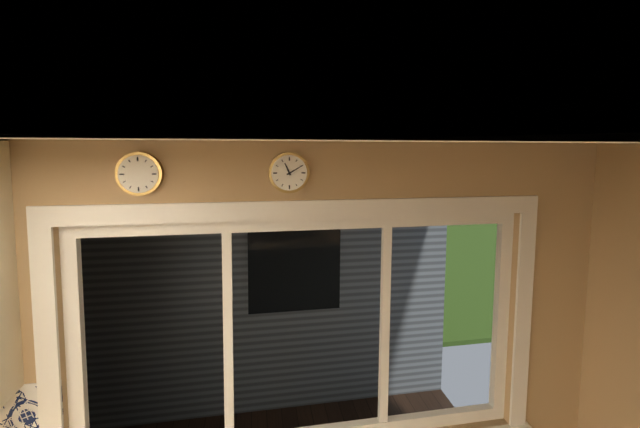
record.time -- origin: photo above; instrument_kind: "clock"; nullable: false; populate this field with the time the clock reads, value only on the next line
11:10
